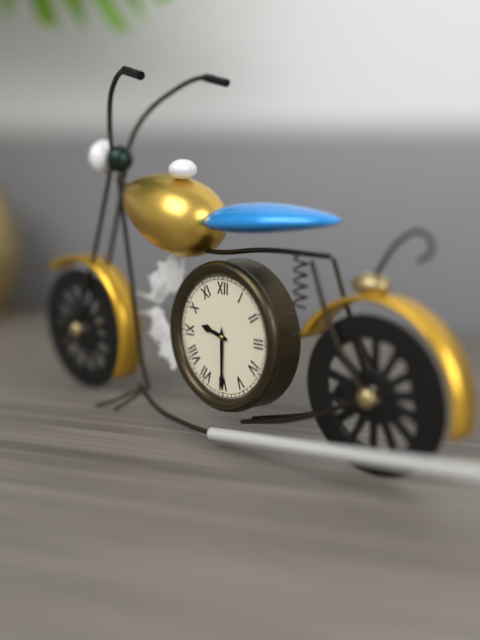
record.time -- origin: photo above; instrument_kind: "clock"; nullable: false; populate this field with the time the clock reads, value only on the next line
9:30
